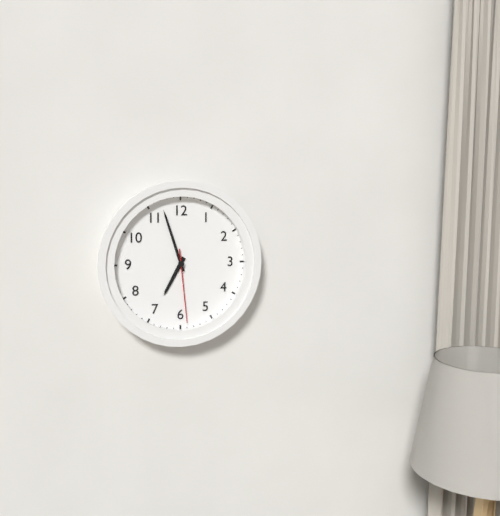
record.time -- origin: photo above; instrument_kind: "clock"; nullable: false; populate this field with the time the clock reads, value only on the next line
6:57:29
